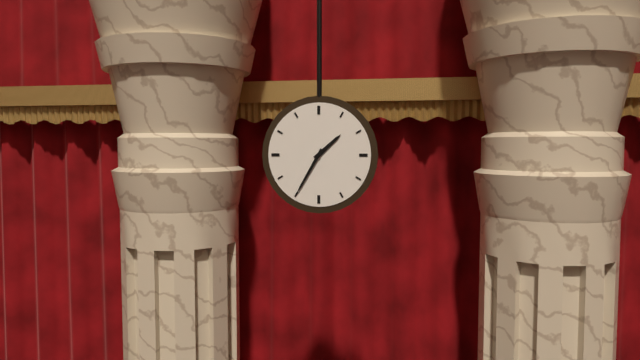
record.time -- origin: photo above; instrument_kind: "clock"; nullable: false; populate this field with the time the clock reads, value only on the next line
1:35
